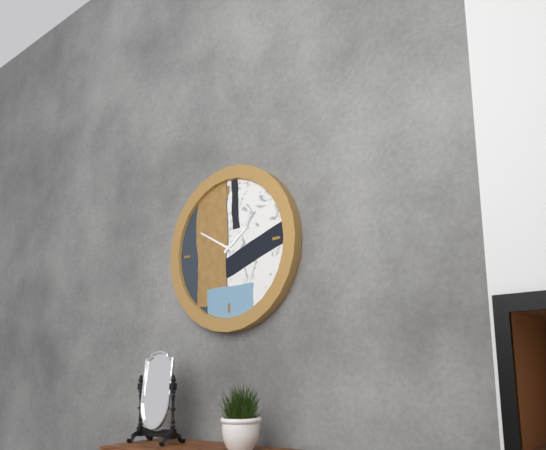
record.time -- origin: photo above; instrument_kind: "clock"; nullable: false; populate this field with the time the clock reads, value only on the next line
1:50
